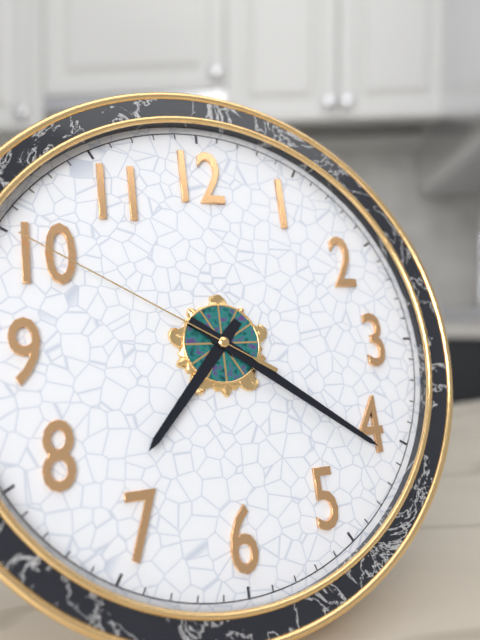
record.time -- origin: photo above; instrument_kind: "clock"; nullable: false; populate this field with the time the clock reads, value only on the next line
7:21:50
